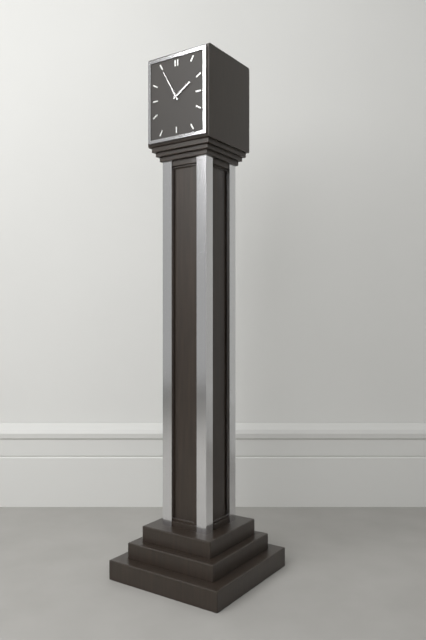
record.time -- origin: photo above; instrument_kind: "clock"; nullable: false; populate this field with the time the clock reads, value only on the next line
1:55
